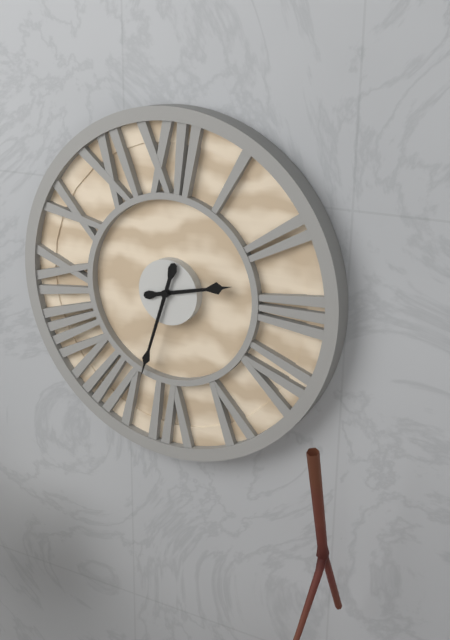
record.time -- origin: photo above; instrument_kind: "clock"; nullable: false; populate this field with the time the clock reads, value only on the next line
2:33
